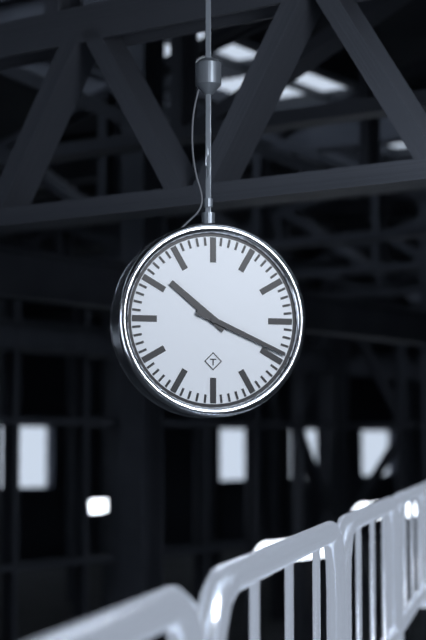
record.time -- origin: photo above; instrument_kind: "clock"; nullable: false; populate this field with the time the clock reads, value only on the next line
10:19
